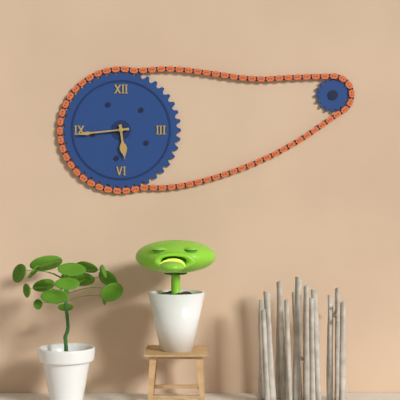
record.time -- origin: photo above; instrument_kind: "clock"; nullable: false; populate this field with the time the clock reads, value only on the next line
5:44
